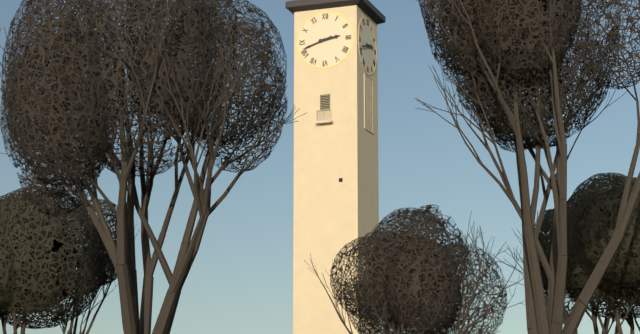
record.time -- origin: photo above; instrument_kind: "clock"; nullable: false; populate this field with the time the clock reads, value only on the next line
2:42
